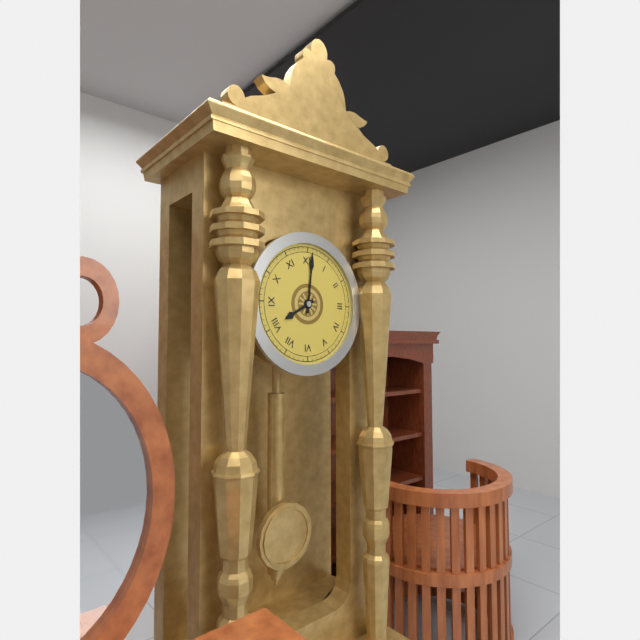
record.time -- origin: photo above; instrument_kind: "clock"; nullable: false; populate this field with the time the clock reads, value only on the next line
8:01
